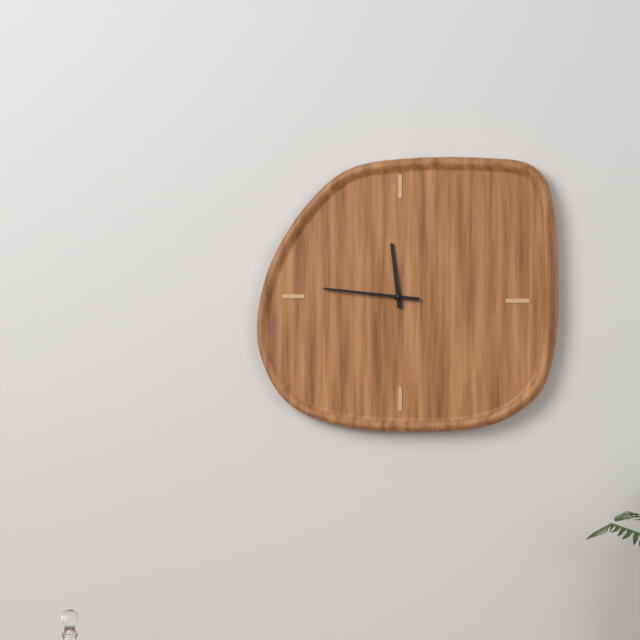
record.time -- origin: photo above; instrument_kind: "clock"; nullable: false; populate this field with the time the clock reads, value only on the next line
11:46
